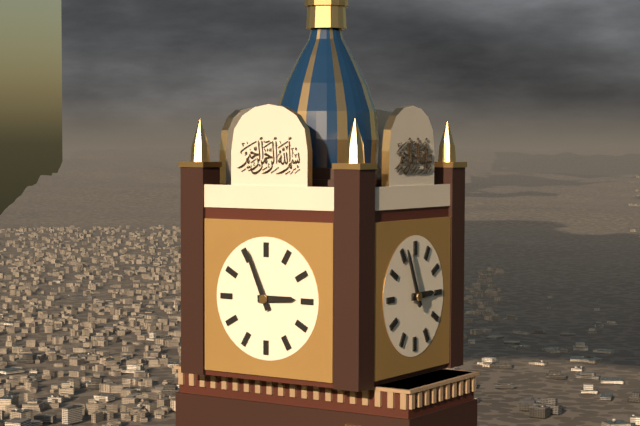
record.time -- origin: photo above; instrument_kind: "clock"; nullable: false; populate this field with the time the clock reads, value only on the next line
2:56
